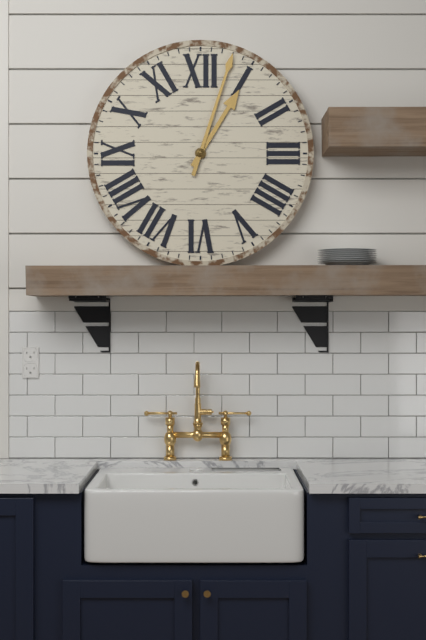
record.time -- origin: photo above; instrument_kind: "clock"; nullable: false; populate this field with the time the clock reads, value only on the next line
1:03
